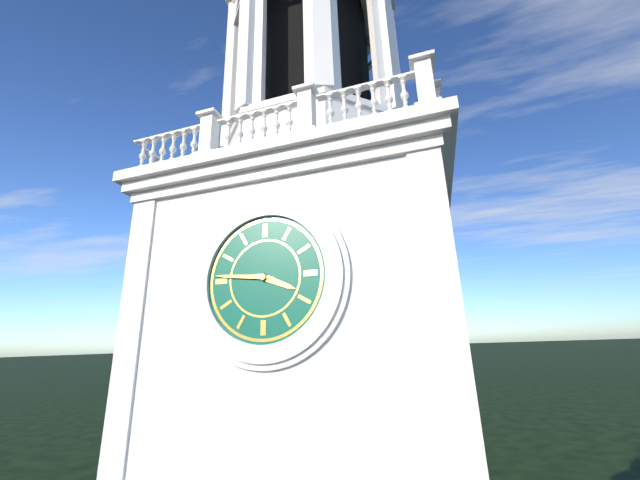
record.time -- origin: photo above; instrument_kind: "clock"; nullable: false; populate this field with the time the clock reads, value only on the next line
3:46
